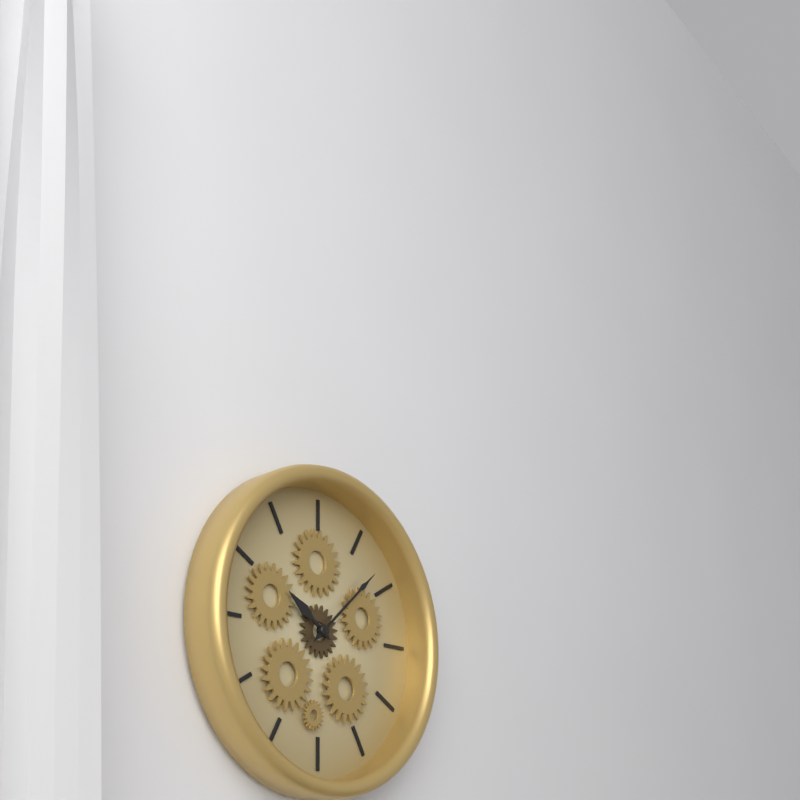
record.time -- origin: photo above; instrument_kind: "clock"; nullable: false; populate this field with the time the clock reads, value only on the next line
10:08
